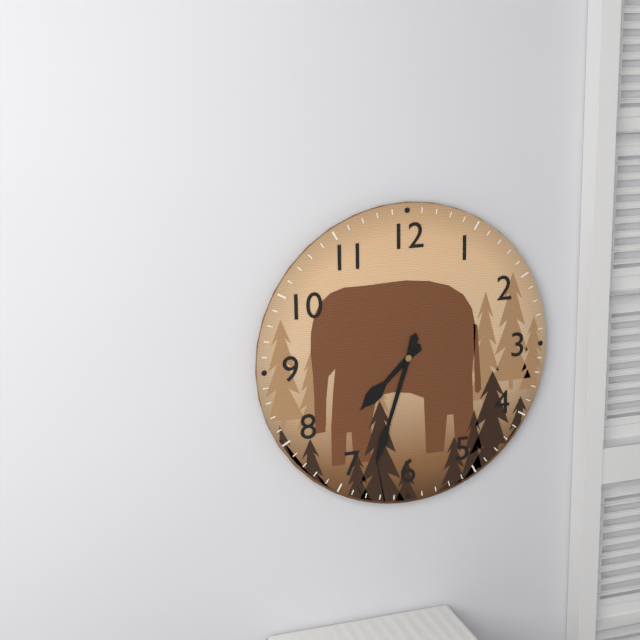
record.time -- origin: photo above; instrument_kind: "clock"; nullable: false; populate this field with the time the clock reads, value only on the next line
7:33
